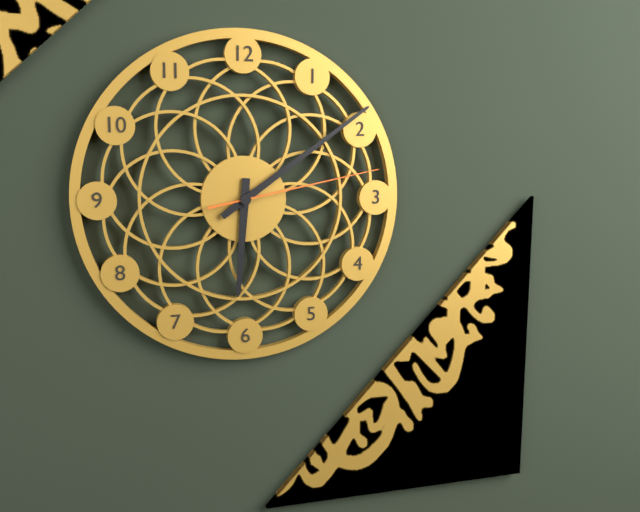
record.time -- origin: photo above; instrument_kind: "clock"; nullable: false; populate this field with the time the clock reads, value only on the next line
6:09:13
